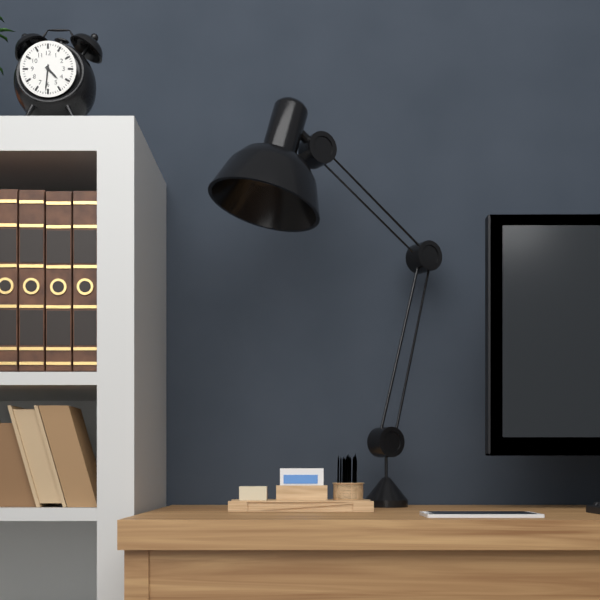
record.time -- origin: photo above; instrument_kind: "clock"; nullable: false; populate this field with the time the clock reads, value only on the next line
4:31
